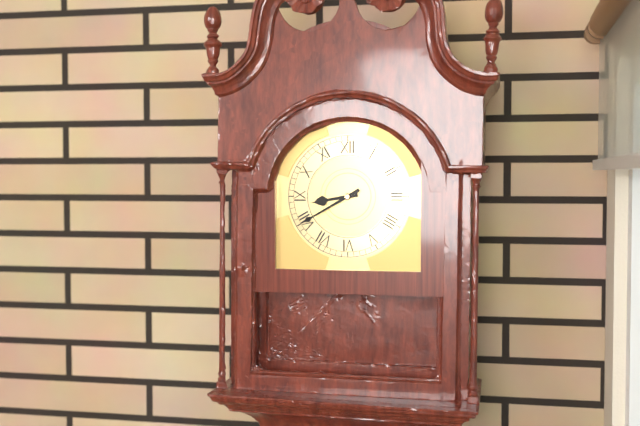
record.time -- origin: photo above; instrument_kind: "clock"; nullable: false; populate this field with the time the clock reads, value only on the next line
8:40
